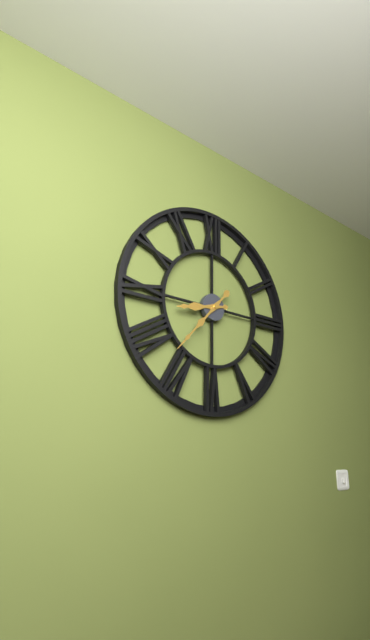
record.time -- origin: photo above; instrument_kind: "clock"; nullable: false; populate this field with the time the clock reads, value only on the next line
8:37
